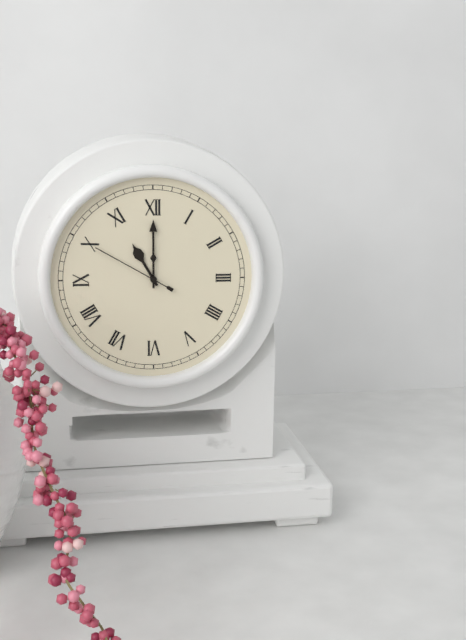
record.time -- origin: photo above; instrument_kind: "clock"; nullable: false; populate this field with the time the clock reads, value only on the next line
11:00:50
